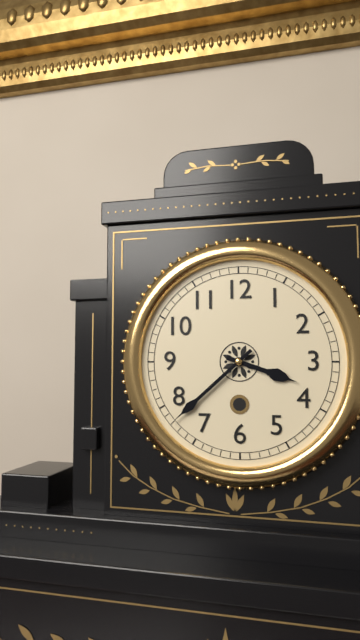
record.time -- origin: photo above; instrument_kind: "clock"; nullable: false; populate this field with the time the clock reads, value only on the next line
3:38
